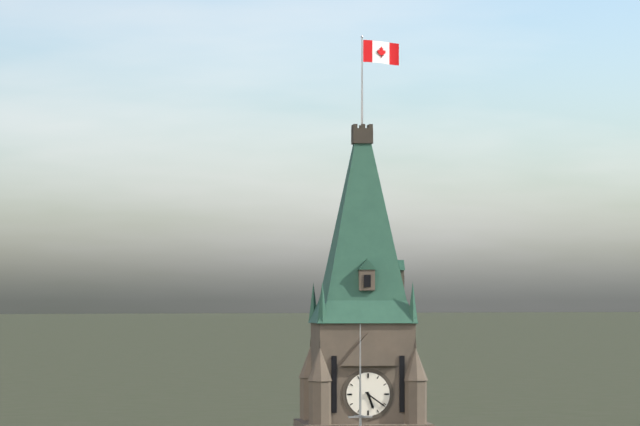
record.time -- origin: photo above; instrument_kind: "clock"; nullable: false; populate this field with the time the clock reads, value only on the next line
5:21
